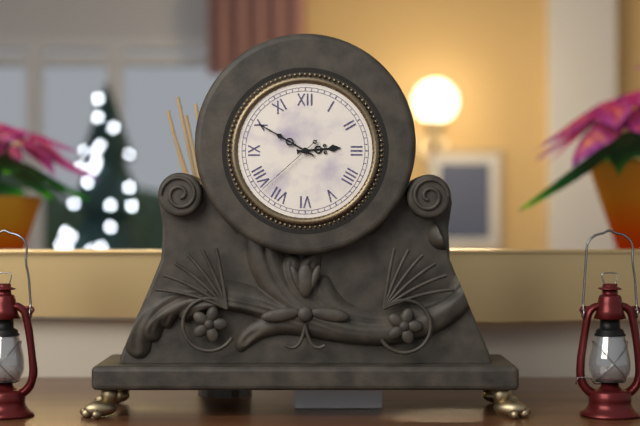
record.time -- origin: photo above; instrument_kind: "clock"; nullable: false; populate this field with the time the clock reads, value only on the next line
2:50:38
